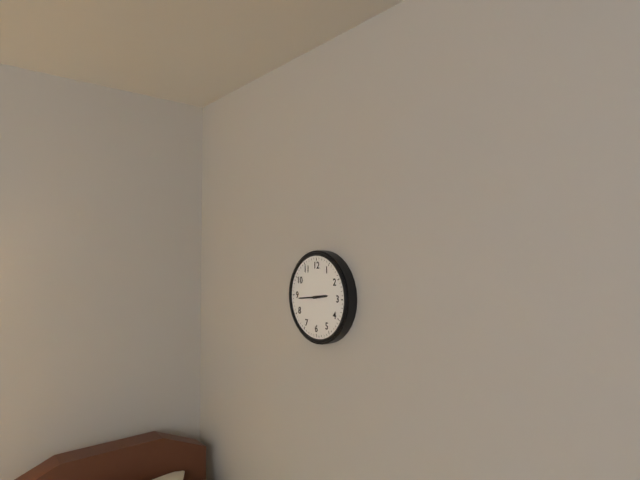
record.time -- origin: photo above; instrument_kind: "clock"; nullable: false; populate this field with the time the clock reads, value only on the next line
2:44
